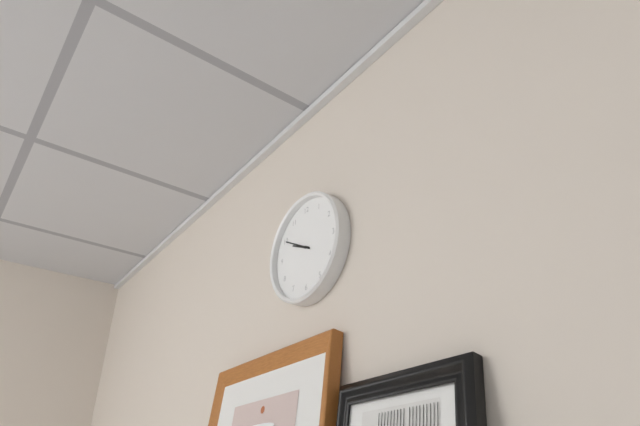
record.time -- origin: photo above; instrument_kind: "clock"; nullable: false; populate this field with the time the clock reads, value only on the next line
9:50
